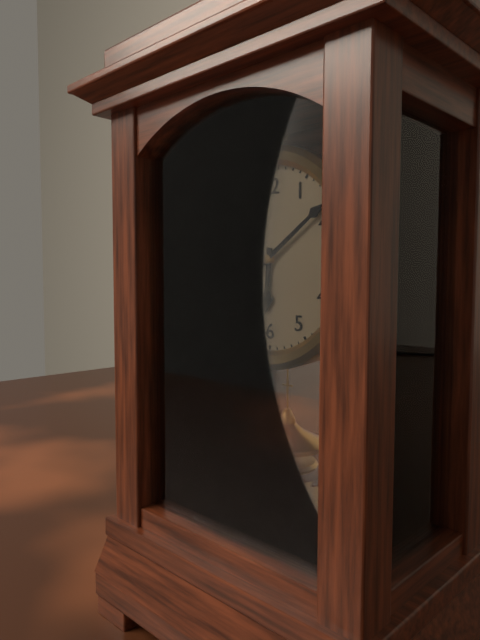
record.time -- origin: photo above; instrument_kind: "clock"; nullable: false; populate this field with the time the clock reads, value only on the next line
6:09
